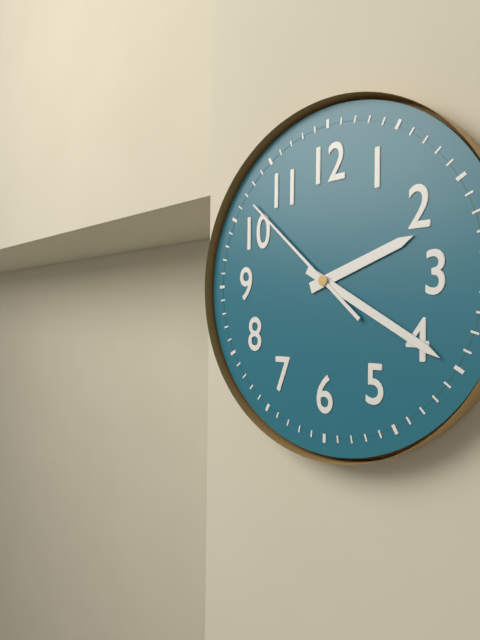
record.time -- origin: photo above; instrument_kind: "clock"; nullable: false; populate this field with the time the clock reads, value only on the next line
2:20:52
